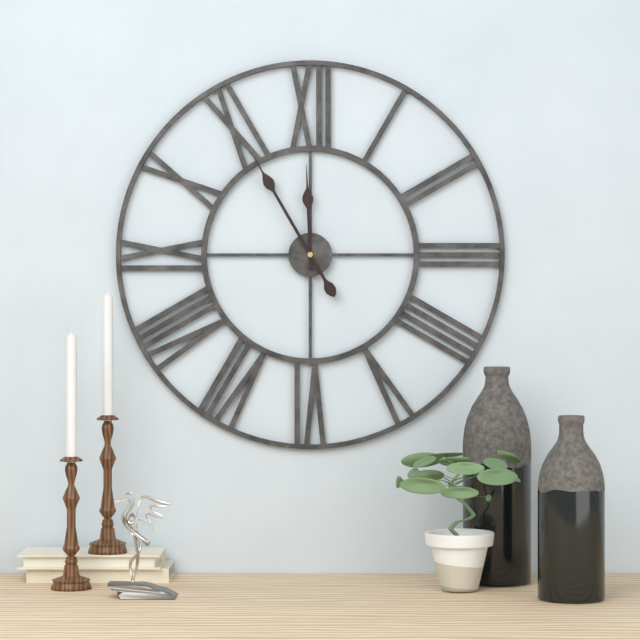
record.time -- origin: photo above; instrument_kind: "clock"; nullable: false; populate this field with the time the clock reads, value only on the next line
11:55
